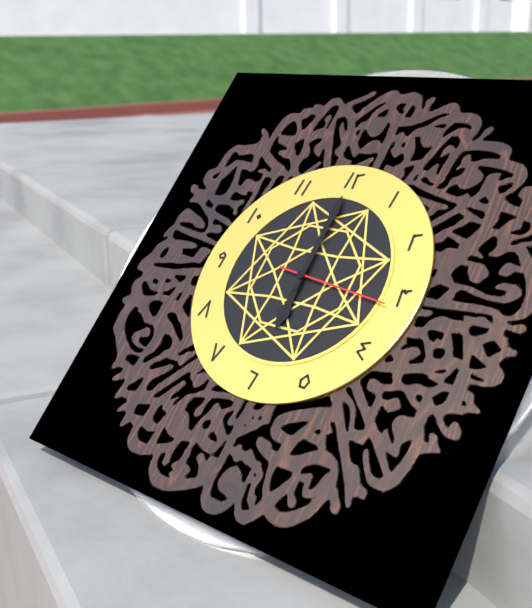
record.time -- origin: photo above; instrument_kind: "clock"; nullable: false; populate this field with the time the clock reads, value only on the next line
6:00:16
